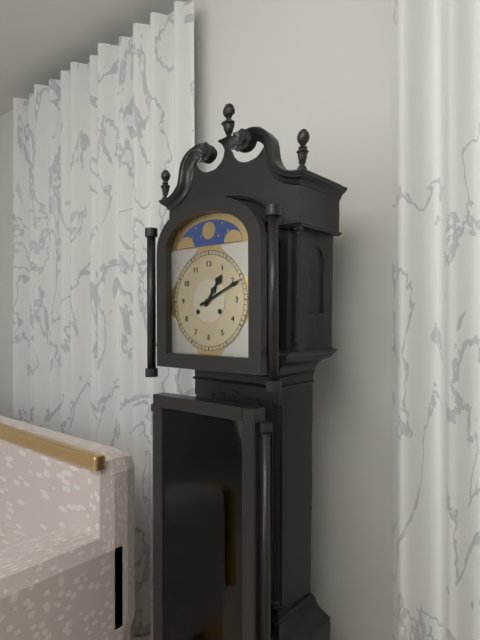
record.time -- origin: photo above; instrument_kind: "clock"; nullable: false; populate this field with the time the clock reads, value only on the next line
1:11
